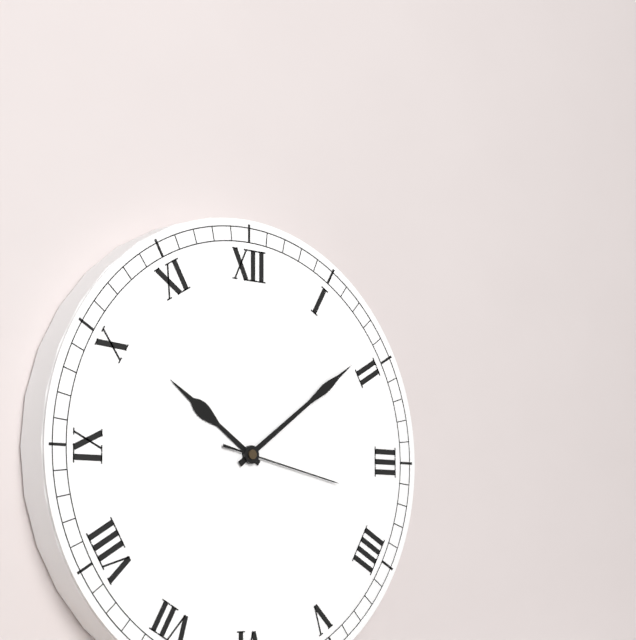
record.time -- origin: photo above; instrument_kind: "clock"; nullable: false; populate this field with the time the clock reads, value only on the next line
10:09:17
